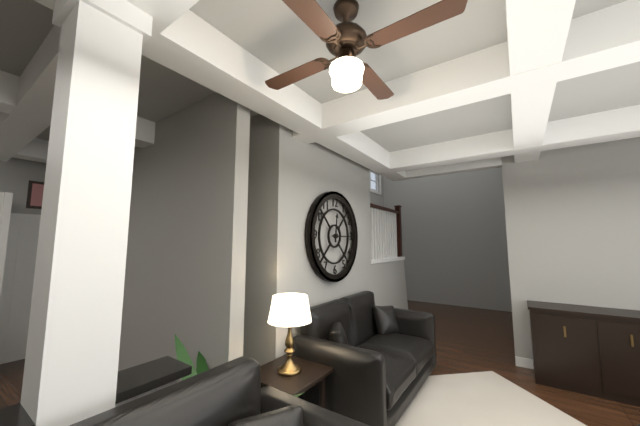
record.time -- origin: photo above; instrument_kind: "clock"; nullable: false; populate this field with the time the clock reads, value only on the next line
12:15
